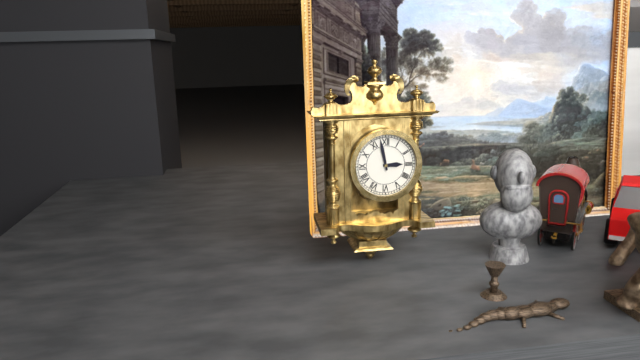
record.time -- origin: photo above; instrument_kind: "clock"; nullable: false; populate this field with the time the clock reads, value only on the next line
2:58
